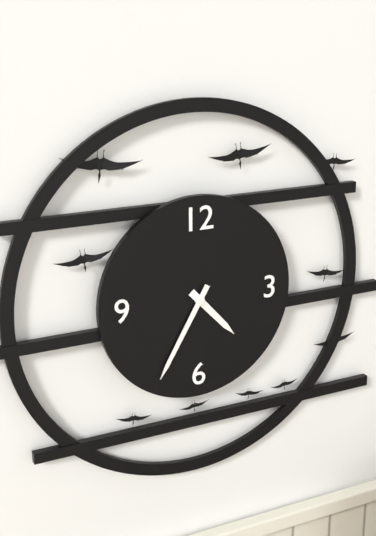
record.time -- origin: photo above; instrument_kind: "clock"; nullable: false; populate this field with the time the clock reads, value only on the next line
4:35
